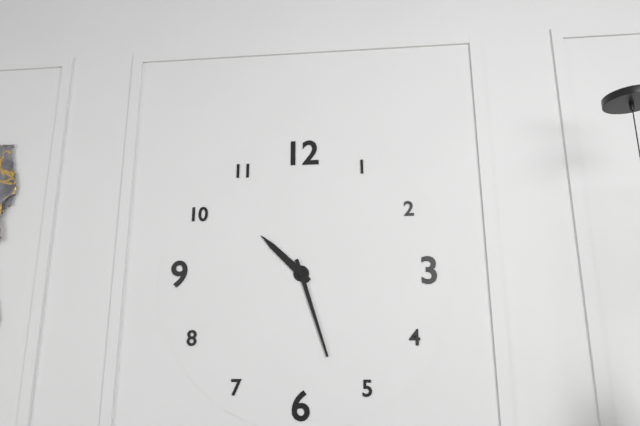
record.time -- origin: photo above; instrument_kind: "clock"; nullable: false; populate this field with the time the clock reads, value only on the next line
10:27
